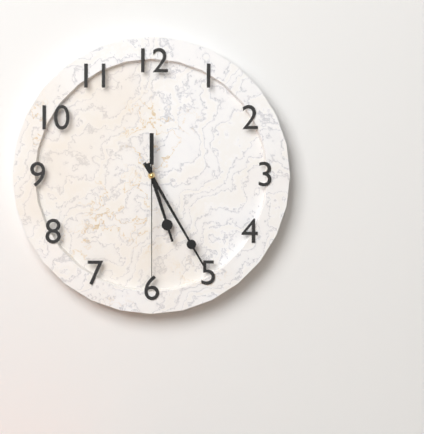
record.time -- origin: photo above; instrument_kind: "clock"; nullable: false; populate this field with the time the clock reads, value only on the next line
5:25:30
